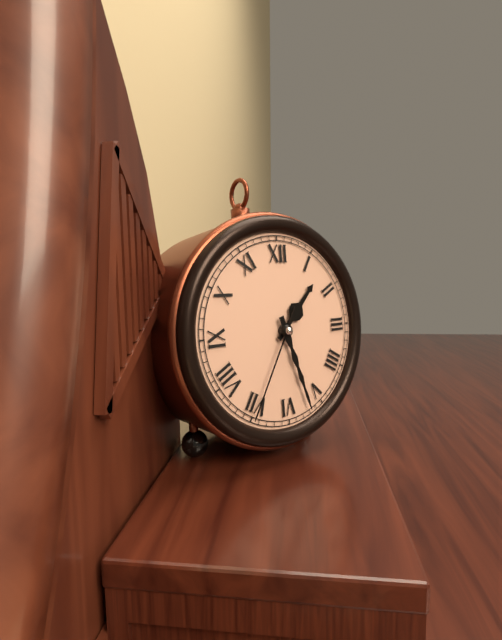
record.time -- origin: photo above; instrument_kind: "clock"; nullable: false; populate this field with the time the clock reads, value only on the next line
1:27:35
